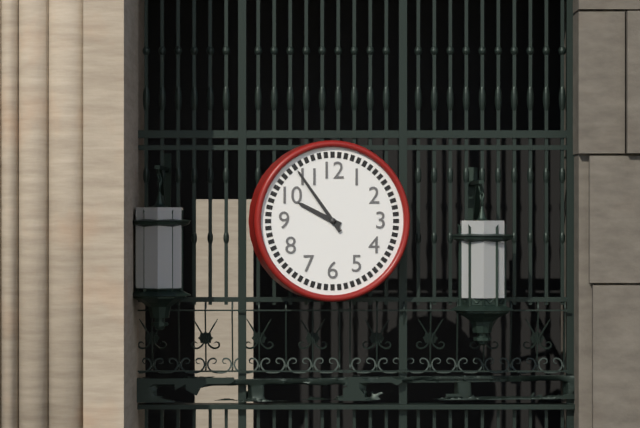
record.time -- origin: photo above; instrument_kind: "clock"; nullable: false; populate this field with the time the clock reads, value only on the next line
9:54
